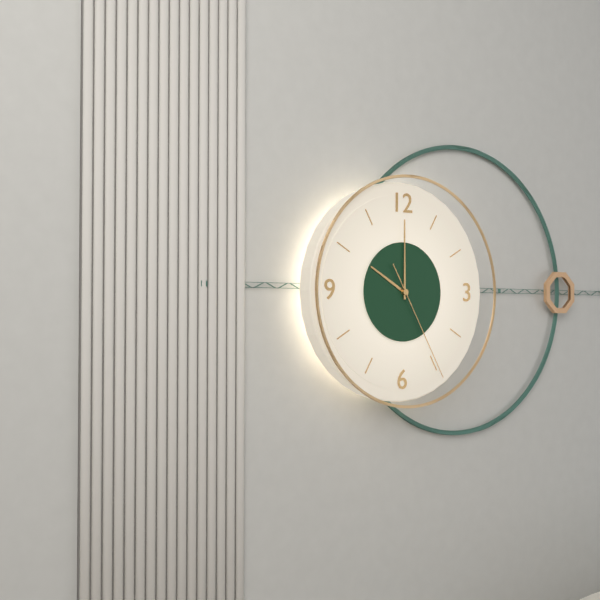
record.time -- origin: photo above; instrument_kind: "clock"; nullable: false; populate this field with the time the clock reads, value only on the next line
10:00:25
